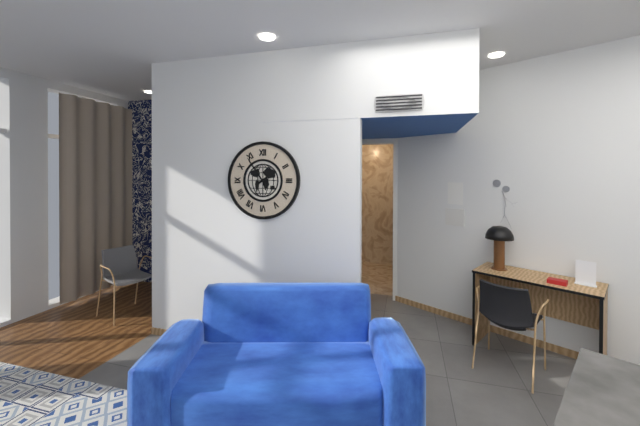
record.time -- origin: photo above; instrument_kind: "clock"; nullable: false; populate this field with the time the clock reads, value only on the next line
1:54
